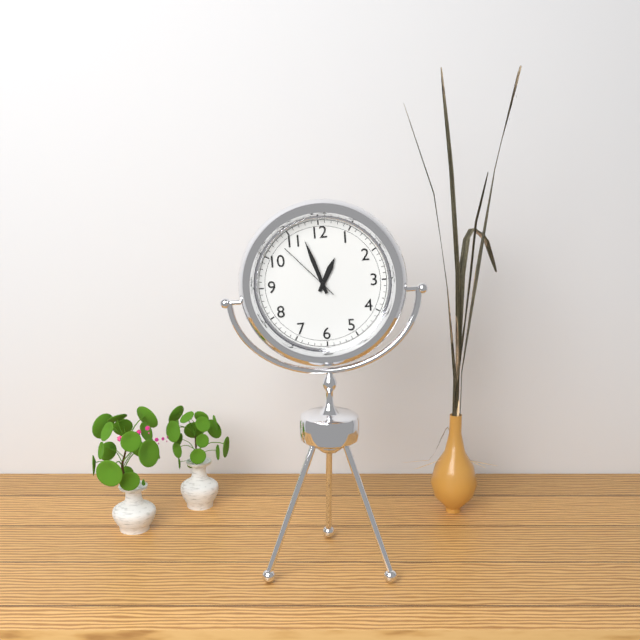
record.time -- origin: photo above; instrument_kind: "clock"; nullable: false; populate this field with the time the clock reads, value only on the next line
12:57:53
